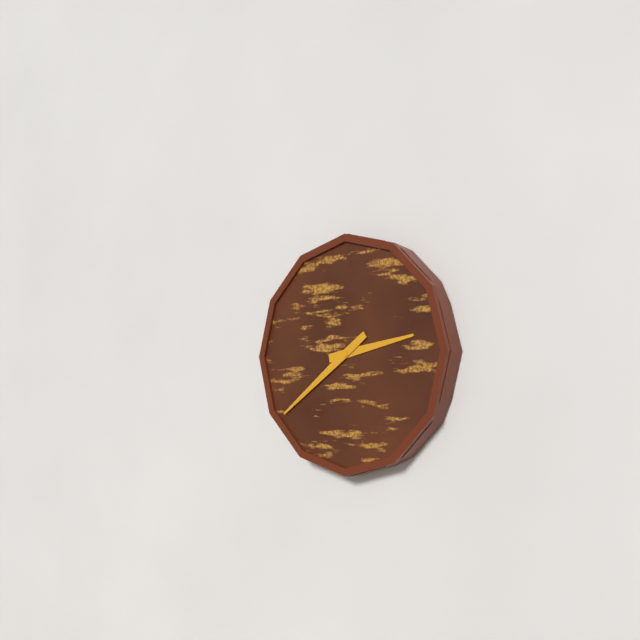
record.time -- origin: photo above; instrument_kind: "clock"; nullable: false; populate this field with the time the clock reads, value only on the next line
2:39
